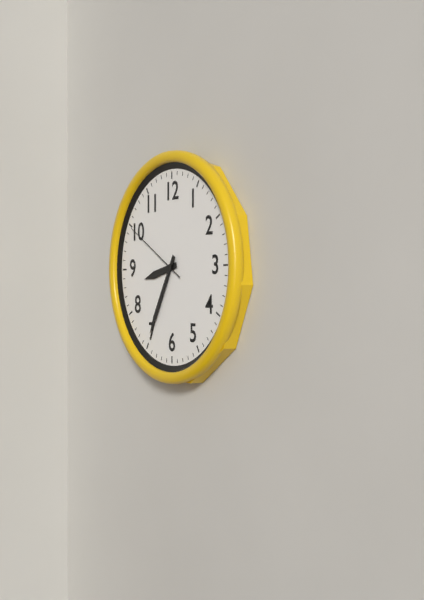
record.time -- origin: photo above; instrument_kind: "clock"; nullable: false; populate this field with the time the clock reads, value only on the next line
8:35:50
